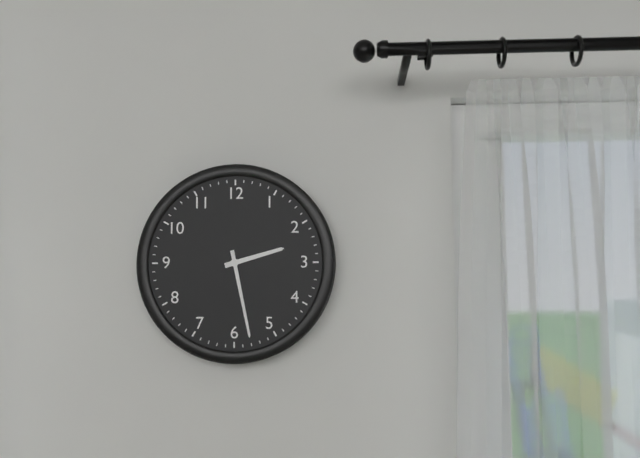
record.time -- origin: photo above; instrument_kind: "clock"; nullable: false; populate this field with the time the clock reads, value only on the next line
2:28
